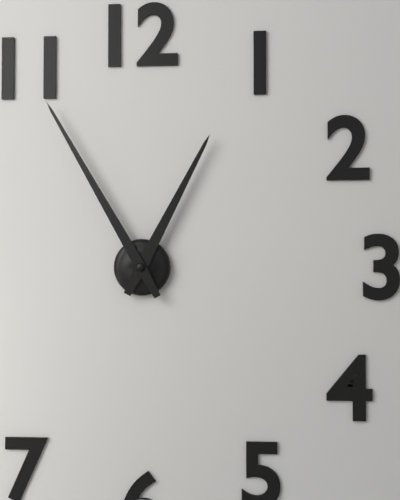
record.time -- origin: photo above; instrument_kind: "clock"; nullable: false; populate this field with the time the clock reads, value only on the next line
12:55
